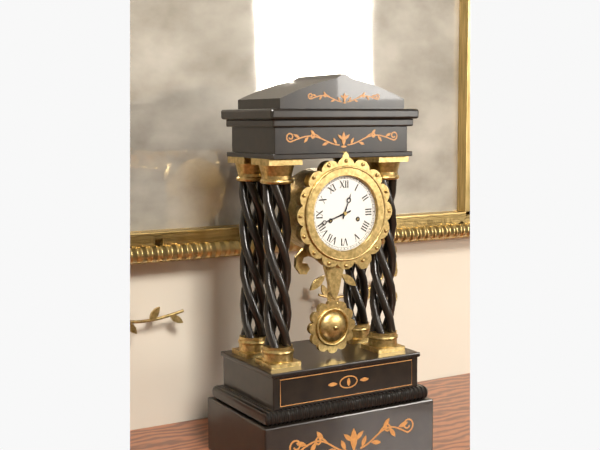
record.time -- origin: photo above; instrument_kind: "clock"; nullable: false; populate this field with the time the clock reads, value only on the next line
12:42
